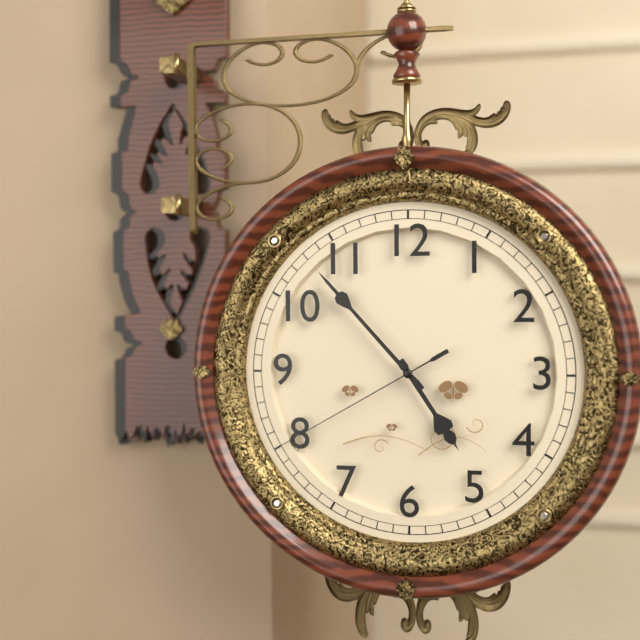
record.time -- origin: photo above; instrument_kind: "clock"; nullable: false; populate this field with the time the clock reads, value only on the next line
4:53:40
